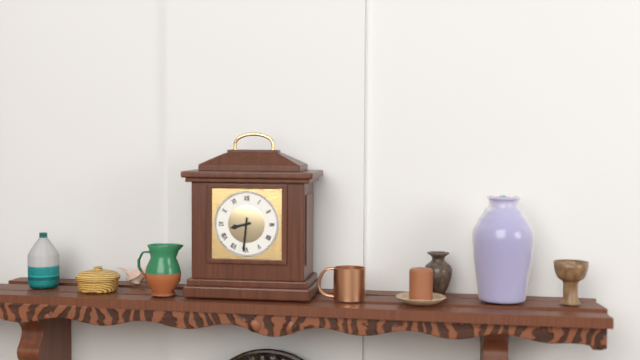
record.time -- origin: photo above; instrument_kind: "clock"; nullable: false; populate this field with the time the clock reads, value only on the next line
8:31
